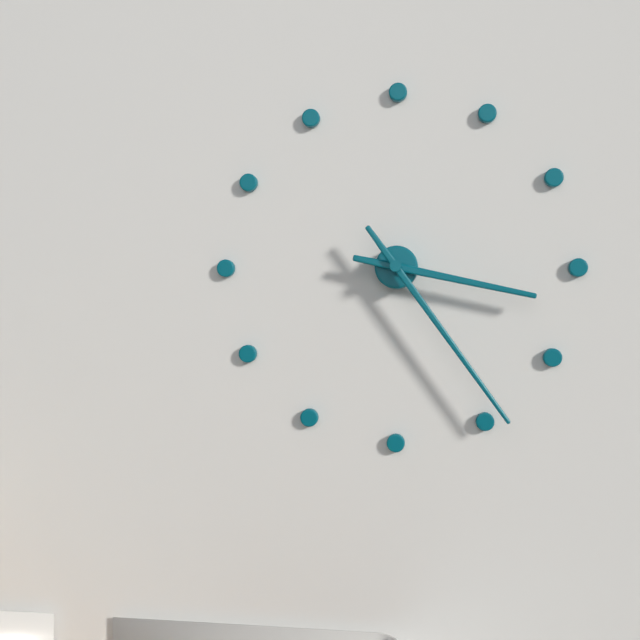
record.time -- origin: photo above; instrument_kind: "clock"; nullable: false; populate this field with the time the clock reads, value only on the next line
3:24
